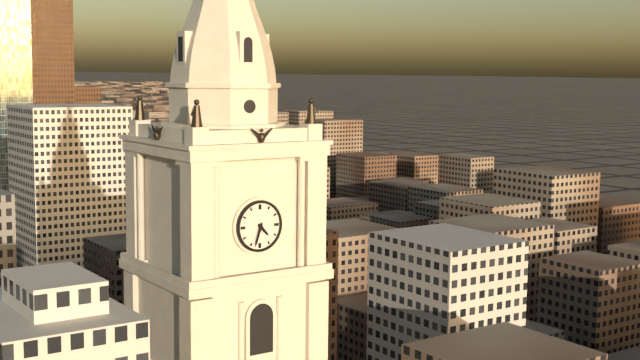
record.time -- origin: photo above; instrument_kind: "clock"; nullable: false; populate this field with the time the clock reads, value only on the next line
4:33
